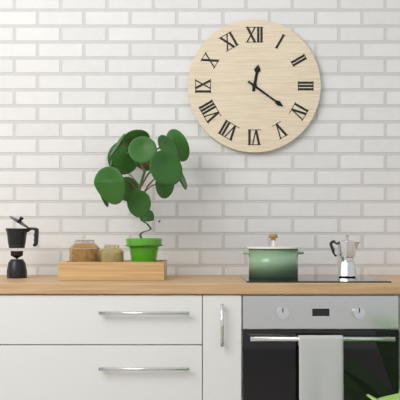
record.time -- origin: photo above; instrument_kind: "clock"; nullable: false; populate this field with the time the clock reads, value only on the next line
12:21
